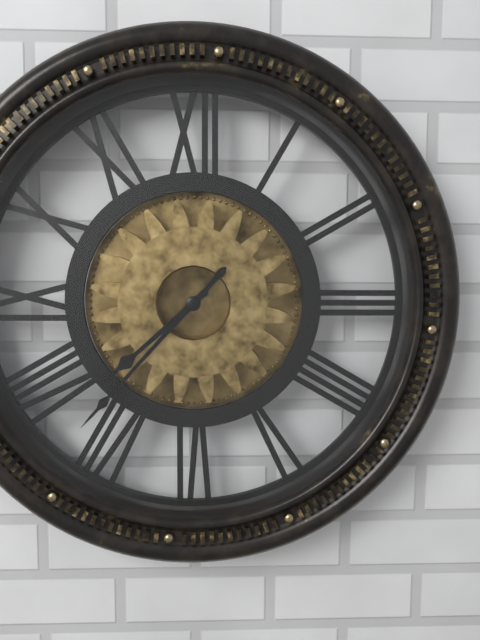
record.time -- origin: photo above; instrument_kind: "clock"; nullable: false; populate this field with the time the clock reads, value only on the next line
7:37
